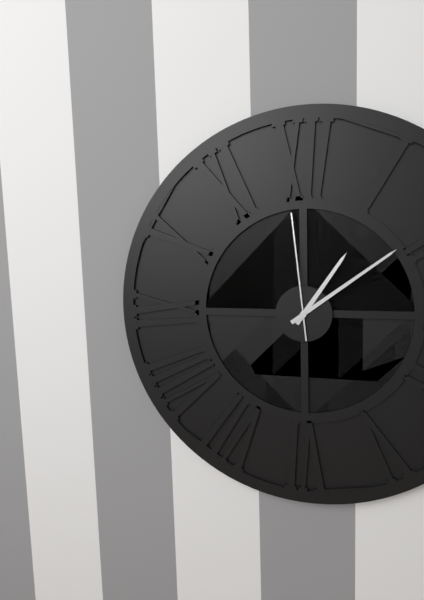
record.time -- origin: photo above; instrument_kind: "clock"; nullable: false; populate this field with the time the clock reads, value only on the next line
1:09:59
